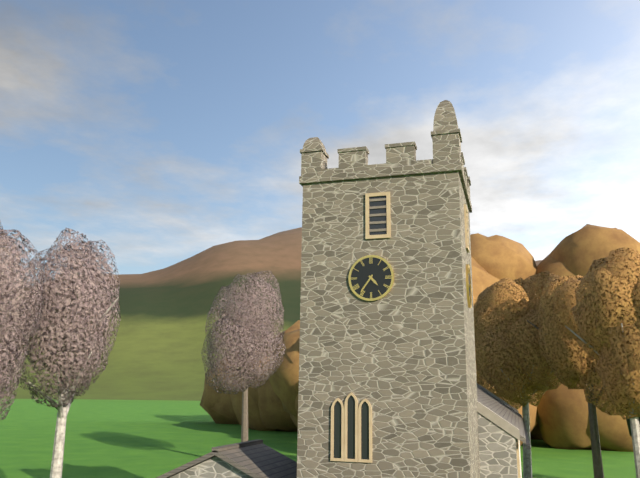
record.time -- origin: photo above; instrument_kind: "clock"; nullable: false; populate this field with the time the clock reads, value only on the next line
4:36
